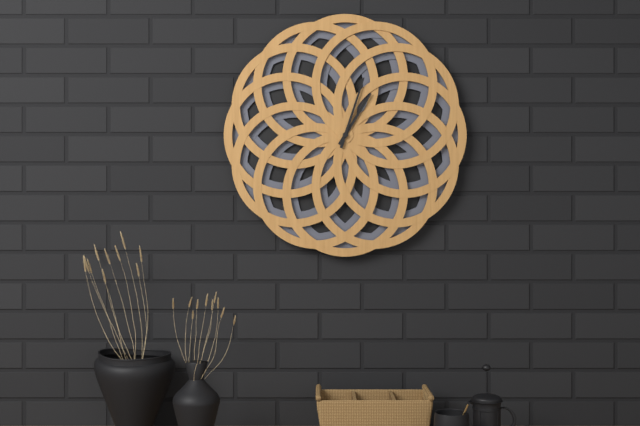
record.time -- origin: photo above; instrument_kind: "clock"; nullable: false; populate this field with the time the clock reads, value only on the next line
1:03
